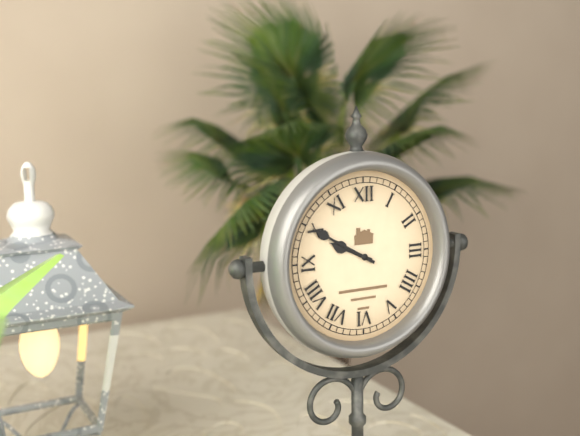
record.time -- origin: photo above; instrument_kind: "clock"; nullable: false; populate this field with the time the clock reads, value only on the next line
9:50
